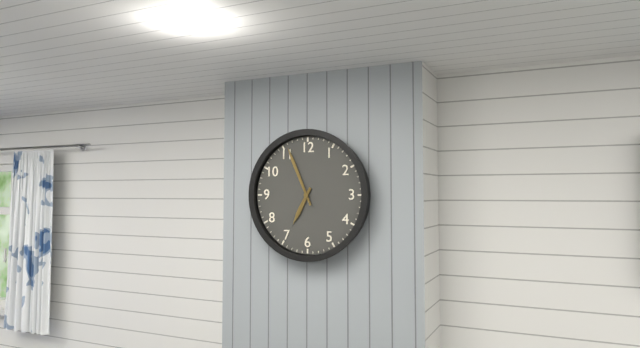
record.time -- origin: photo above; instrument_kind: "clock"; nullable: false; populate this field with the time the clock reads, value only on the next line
6:56
